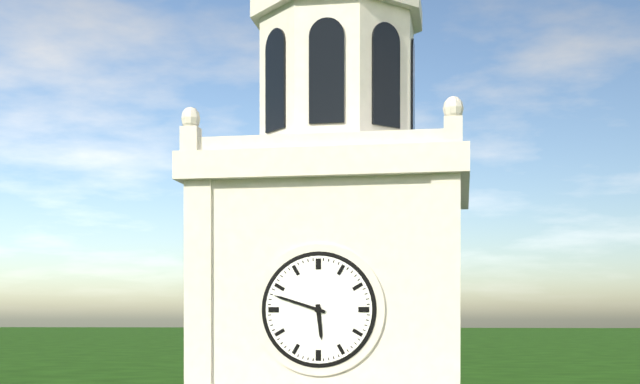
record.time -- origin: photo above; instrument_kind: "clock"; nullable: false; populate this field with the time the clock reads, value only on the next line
5:48
